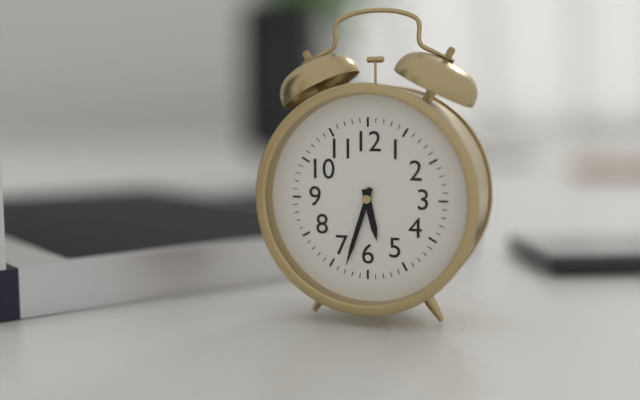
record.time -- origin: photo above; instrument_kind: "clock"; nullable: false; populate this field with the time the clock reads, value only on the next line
5:33
